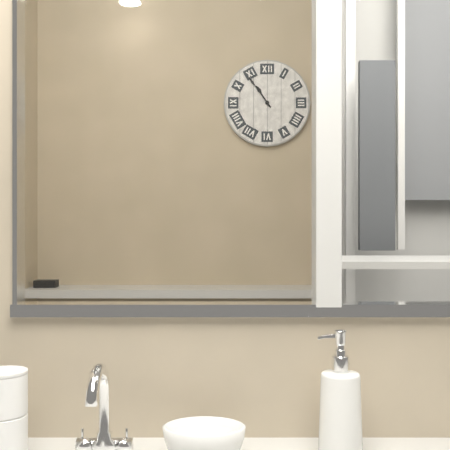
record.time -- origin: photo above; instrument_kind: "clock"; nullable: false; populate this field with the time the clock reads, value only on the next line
10:54
